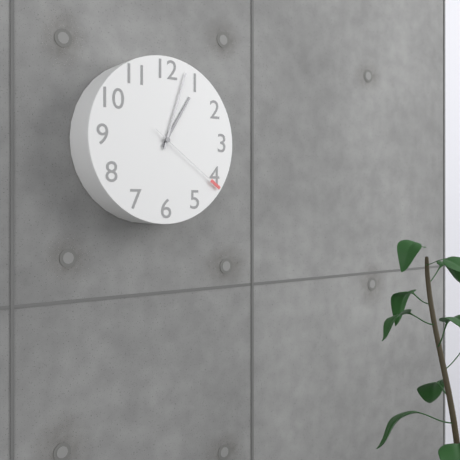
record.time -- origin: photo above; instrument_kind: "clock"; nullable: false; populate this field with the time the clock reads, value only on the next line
1:03:21
